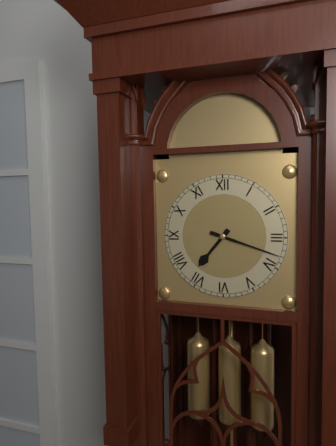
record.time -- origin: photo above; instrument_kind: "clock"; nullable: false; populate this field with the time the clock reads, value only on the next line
7:18
